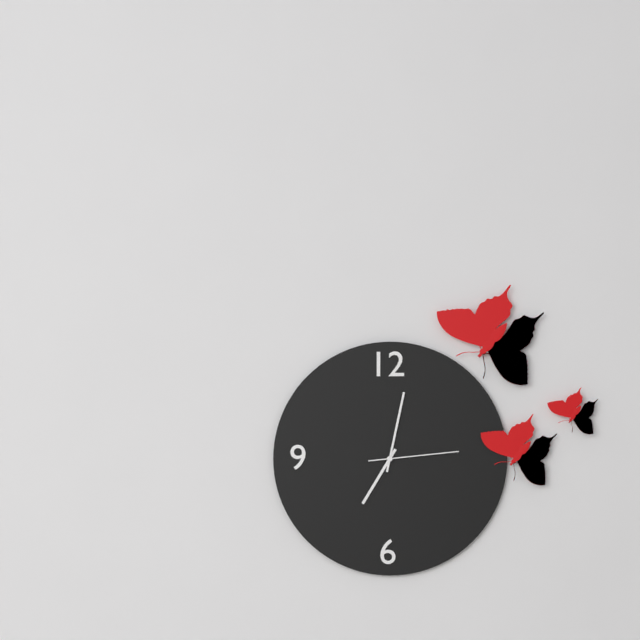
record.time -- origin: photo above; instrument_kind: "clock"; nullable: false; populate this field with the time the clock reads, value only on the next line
7:02:14
